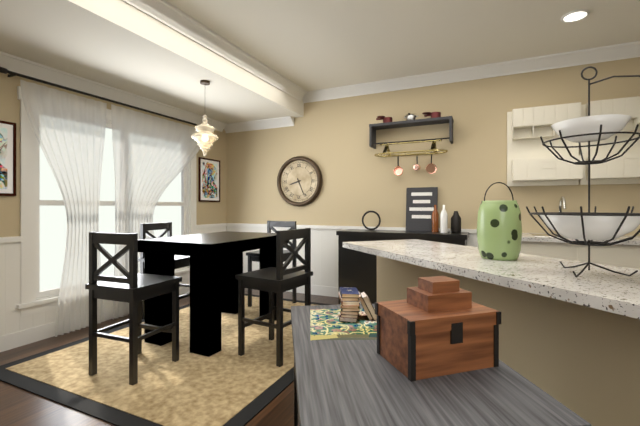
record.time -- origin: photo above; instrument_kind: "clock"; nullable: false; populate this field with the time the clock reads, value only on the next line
8:26
